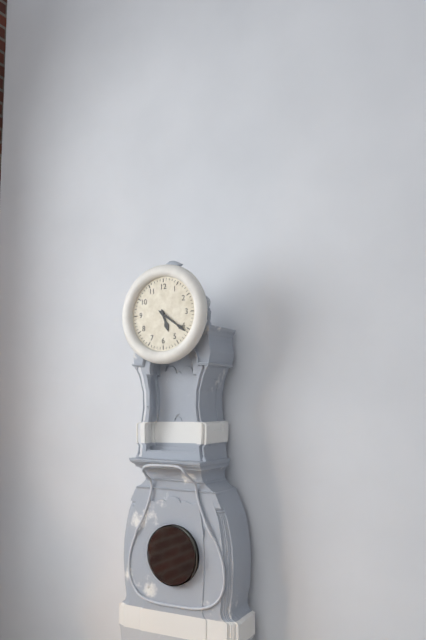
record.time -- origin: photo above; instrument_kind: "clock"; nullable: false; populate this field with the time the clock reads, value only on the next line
5:21
